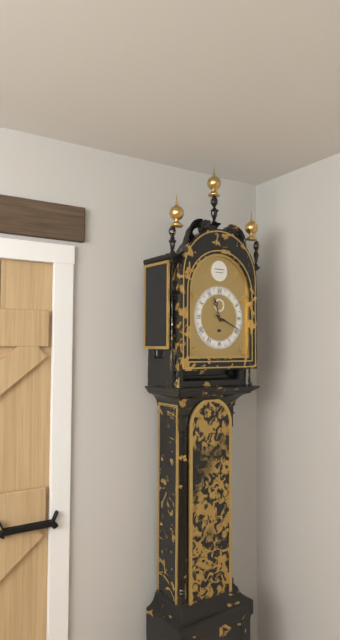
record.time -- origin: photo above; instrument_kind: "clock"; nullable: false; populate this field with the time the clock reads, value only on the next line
11:19
